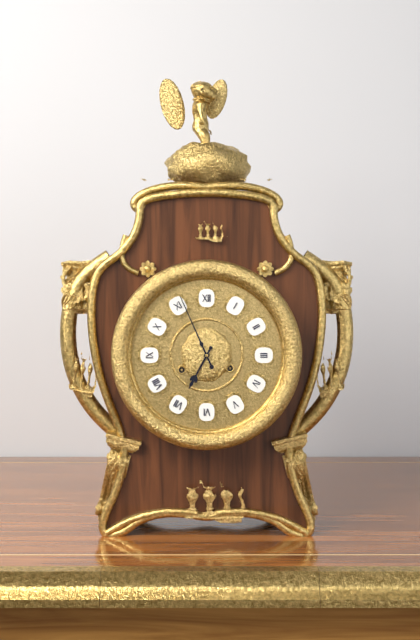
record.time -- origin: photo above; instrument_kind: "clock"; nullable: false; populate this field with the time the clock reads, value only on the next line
6:56
